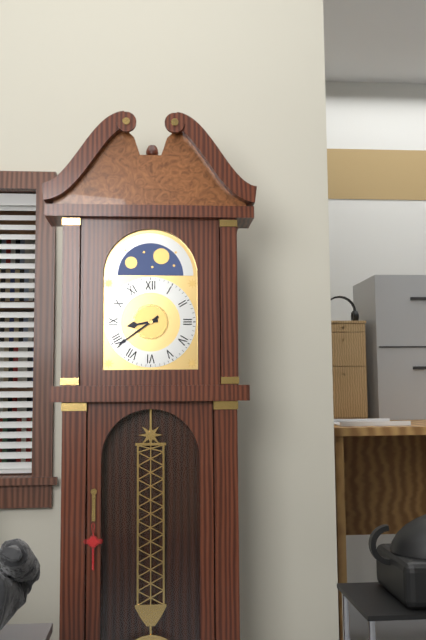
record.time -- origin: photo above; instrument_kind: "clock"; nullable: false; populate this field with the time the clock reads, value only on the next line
8:39
